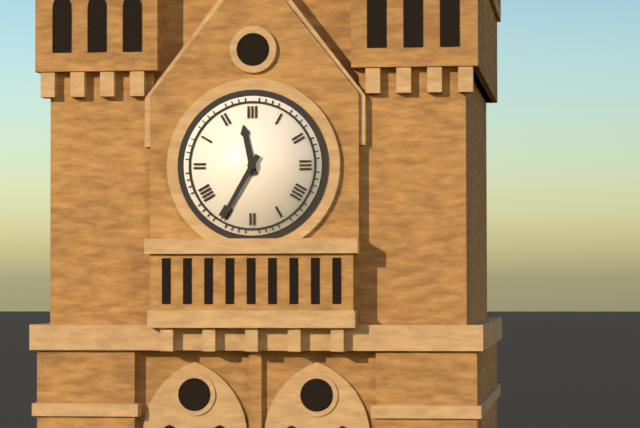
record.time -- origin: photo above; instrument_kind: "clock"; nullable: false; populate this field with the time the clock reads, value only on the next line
11:35
